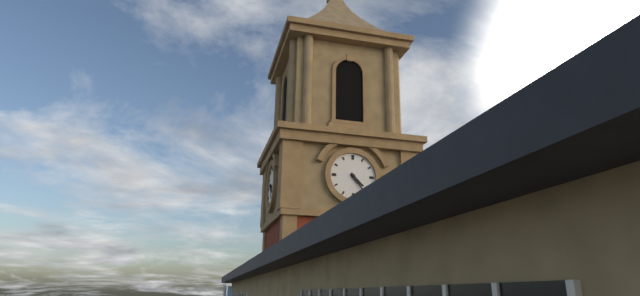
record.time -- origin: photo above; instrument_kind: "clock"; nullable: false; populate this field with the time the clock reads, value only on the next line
4:24
